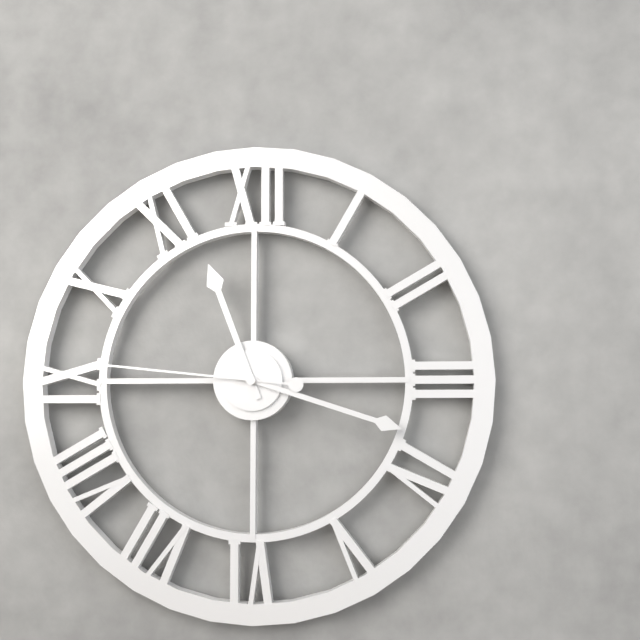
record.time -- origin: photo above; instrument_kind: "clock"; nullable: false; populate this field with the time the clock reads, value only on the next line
11:18:46
